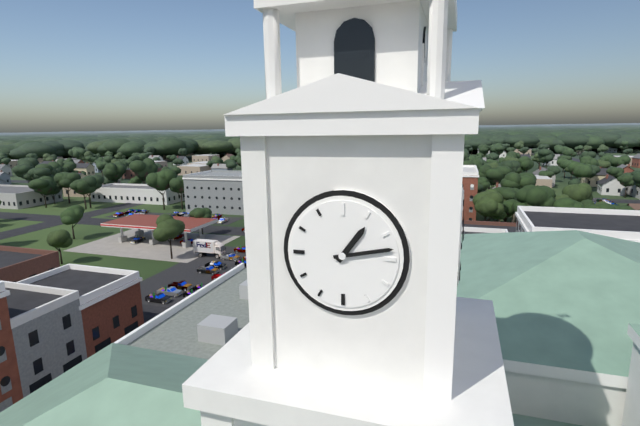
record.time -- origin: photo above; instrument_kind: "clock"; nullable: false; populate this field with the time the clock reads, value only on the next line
1:13
